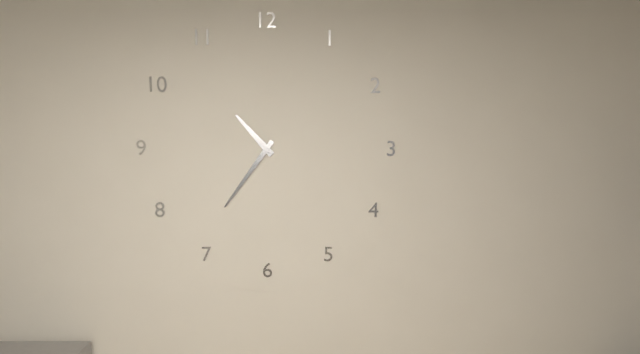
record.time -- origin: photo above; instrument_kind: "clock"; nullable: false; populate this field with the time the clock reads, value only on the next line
10:36
